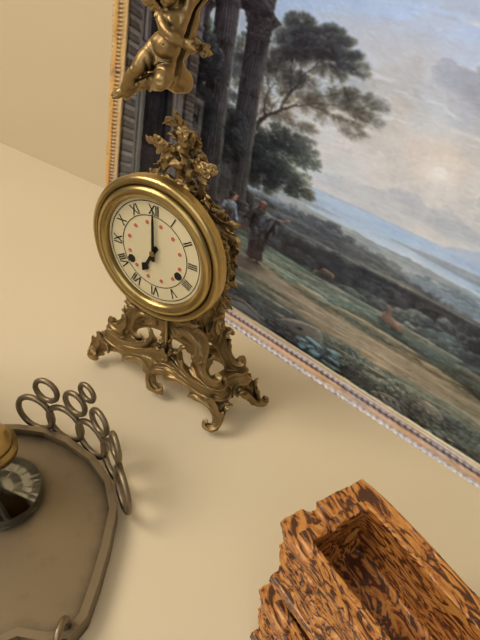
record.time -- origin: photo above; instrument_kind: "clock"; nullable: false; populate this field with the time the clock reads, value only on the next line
7:00
